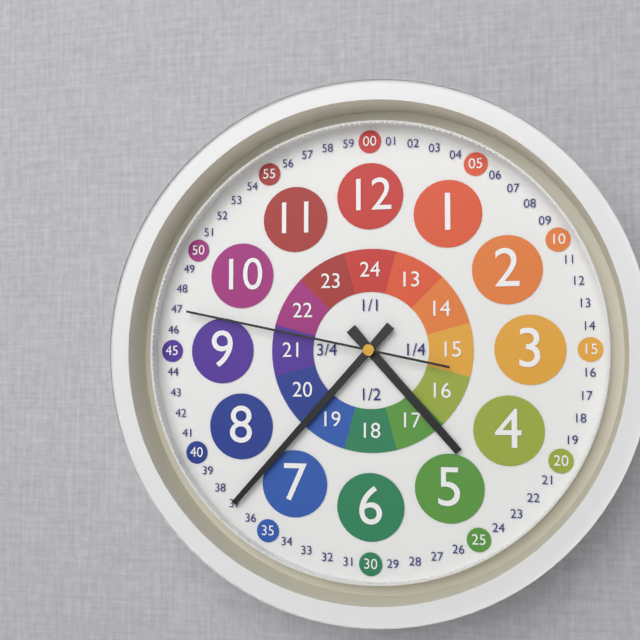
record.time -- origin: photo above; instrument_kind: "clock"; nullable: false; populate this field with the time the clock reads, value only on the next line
4:37:47
